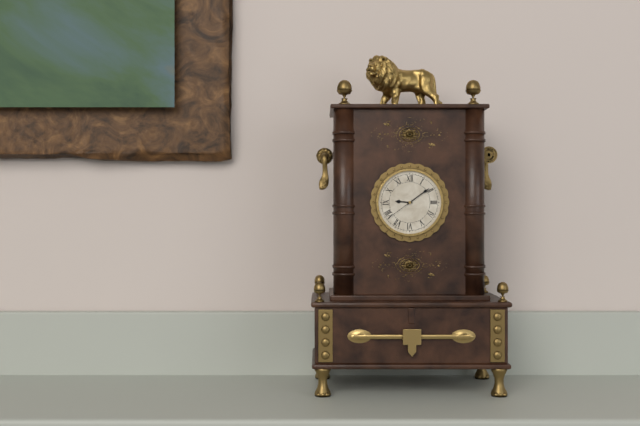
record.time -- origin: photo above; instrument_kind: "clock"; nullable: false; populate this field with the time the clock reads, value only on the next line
9:09
